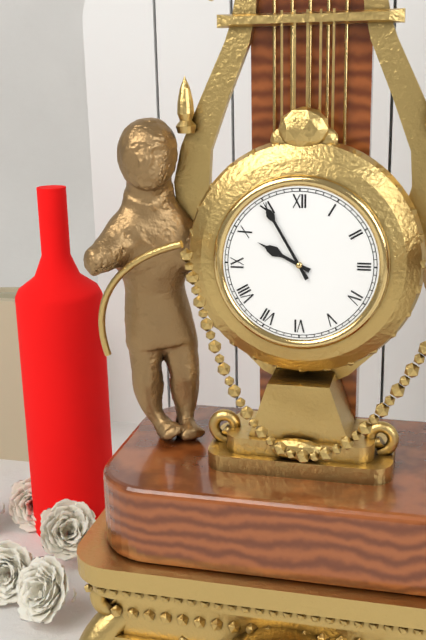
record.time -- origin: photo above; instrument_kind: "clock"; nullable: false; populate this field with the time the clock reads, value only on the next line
9:55
